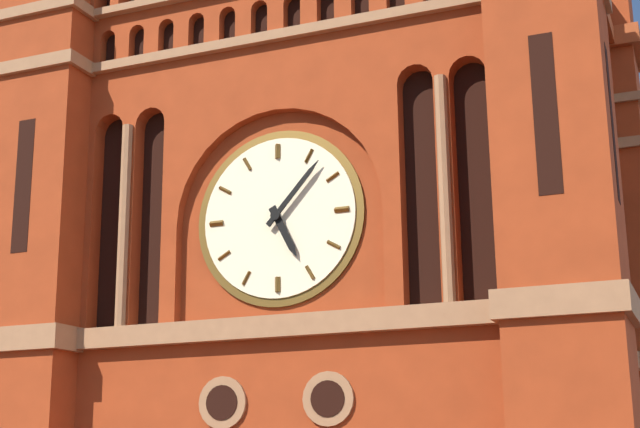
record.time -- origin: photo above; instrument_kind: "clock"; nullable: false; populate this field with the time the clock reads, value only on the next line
5:07
